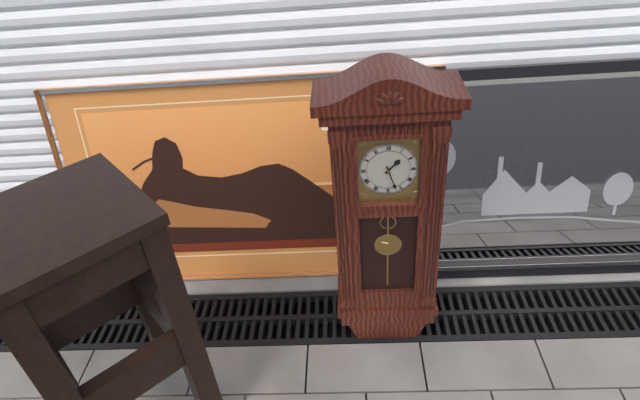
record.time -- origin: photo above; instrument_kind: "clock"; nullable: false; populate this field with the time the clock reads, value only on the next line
1:27
